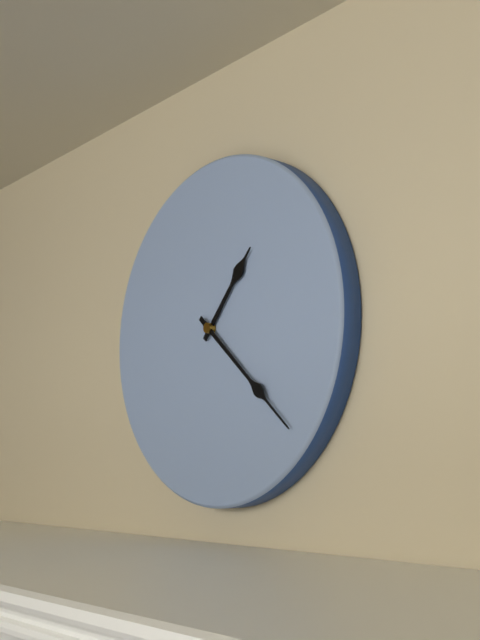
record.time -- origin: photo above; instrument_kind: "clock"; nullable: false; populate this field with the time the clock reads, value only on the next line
1:22
